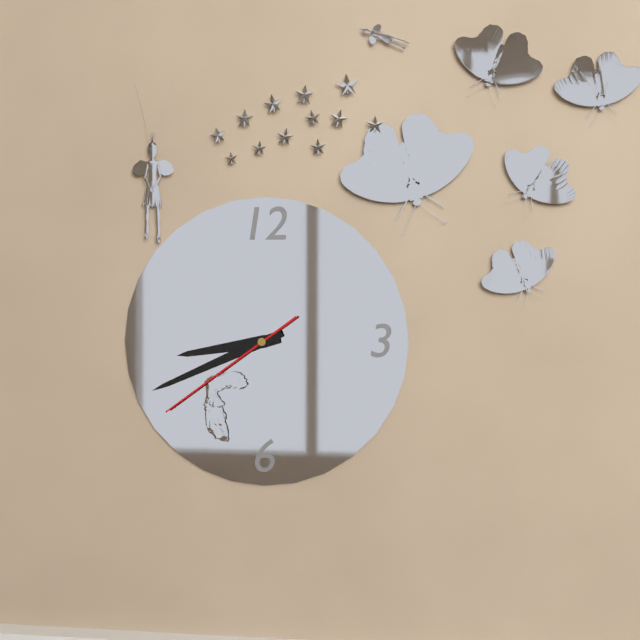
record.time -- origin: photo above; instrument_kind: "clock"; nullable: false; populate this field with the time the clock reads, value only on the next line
8:41:39
